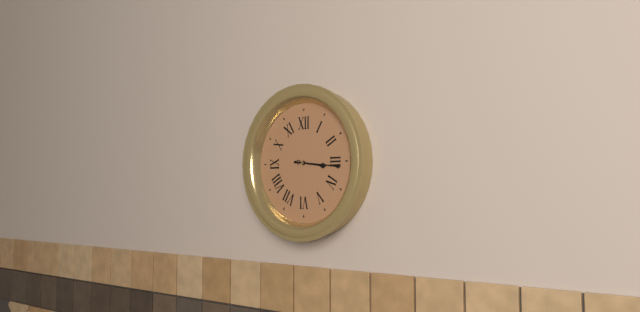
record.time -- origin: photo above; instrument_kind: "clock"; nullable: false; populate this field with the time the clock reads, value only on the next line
3:16
